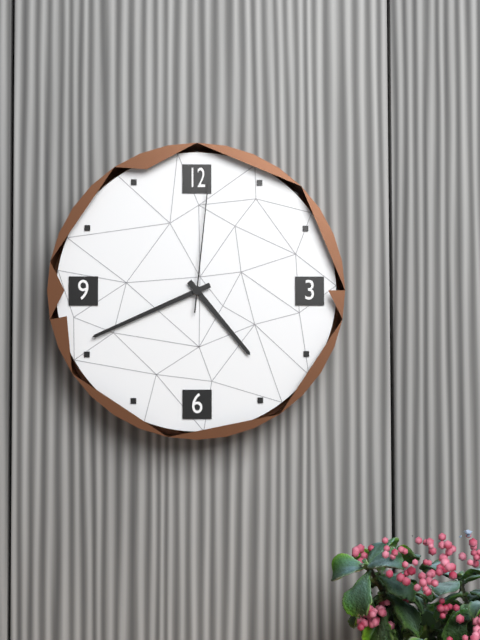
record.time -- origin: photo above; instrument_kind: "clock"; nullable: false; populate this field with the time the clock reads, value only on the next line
4:41:01
